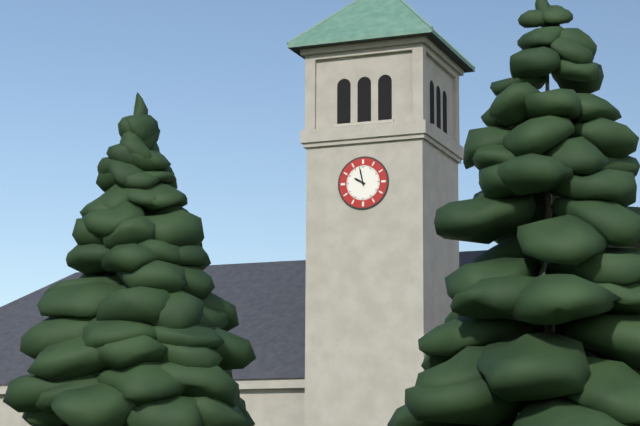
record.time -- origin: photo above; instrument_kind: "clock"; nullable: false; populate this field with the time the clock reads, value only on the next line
9:58
